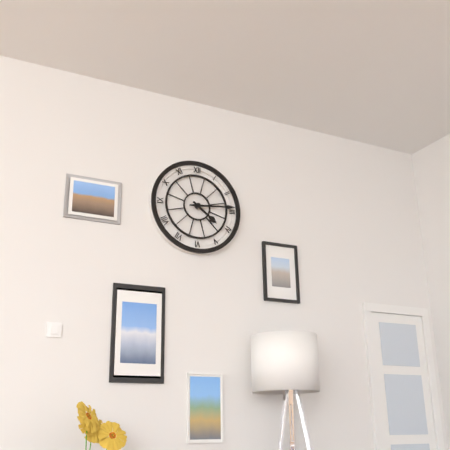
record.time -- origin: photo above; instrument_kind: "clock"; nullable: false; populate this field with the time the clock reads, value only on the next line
4:14
